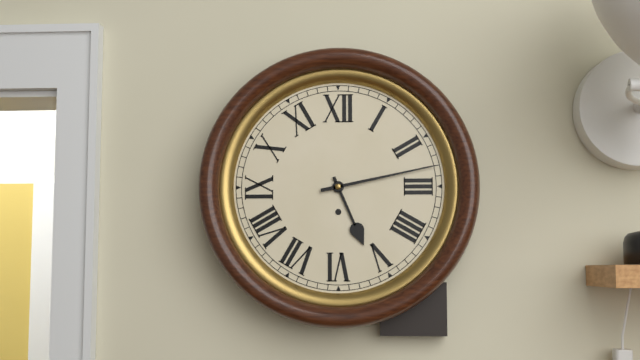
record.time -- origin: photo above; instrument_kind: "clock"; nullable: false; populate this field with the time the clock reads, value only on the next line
5:13
